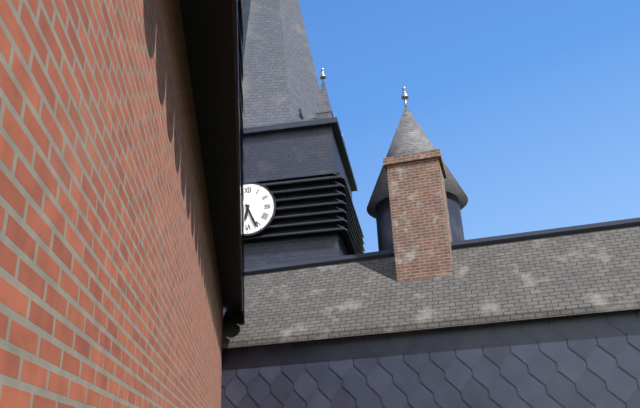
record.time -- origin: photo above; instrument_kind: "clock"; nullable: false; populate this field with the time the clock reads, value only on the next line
6:26
